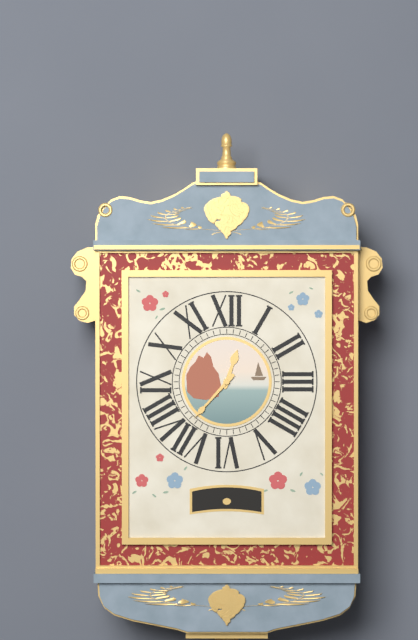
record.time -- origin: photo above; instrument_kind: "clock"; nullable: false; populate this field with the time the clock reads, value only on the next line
12:37
